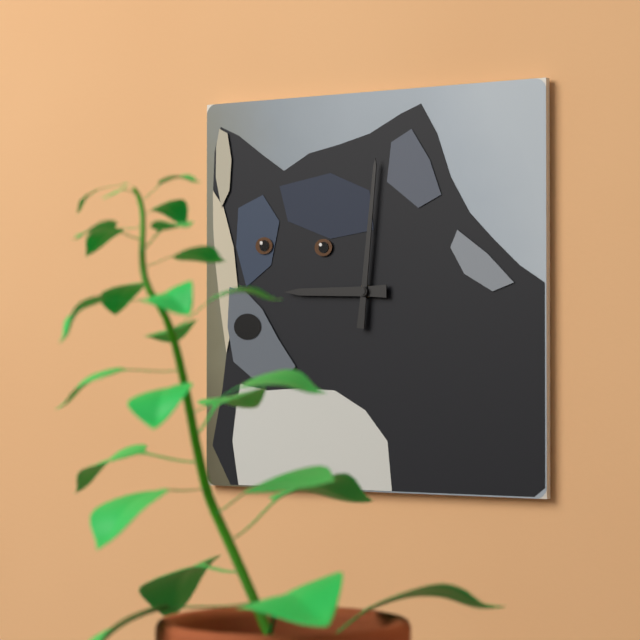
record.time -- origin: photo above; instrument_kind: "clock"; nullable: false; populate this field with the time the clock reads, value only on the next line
9:01
